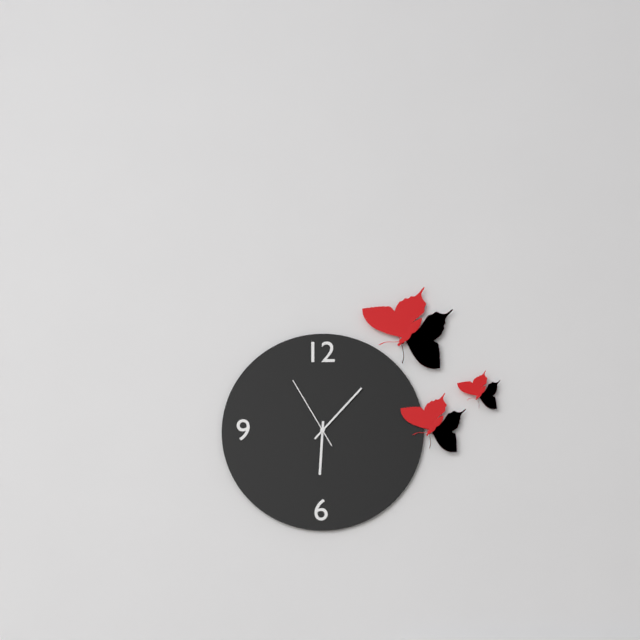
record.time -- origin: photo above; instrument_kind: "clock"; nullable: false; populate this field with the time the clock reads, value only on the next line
6:07:55
